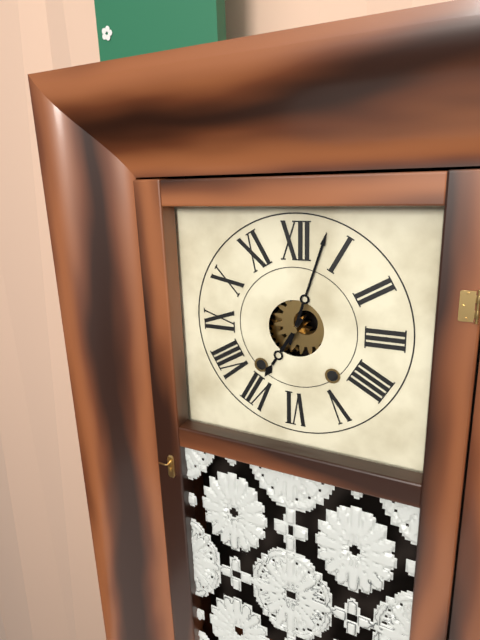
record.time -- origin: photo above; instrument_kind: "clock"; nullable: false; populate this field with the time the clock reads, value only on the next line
7:03
